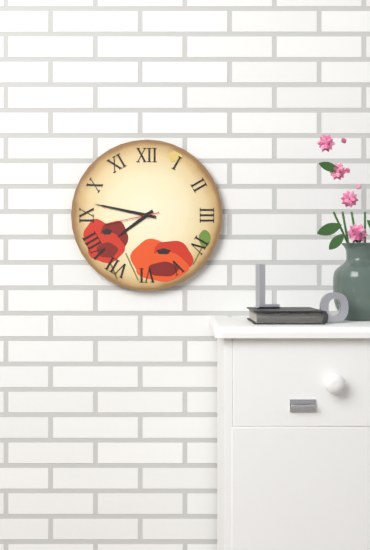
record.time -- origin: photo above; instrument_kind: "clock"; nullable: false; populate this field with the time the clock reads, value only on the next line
7:47:43
